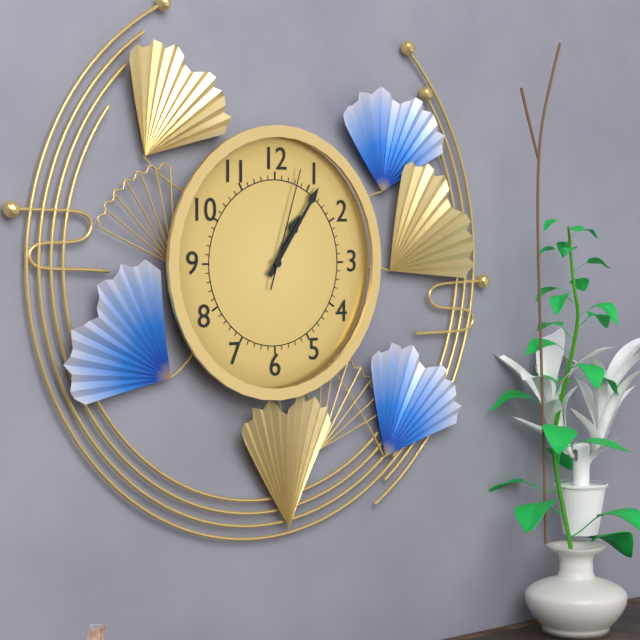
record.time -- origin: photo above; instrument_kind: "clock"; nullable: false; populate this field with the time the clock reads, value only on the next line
1:06:03
